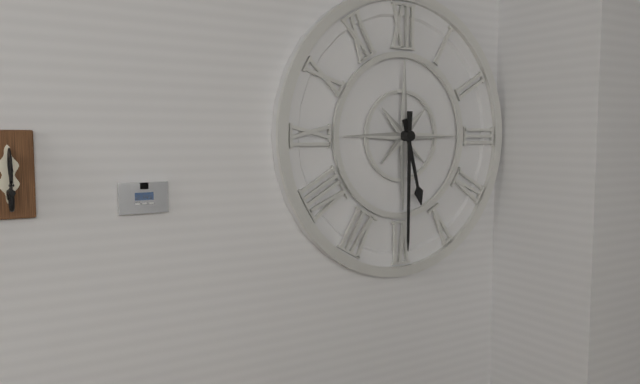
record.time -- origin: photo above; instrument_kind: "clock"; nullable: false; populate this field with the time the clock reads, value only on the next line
5:30
